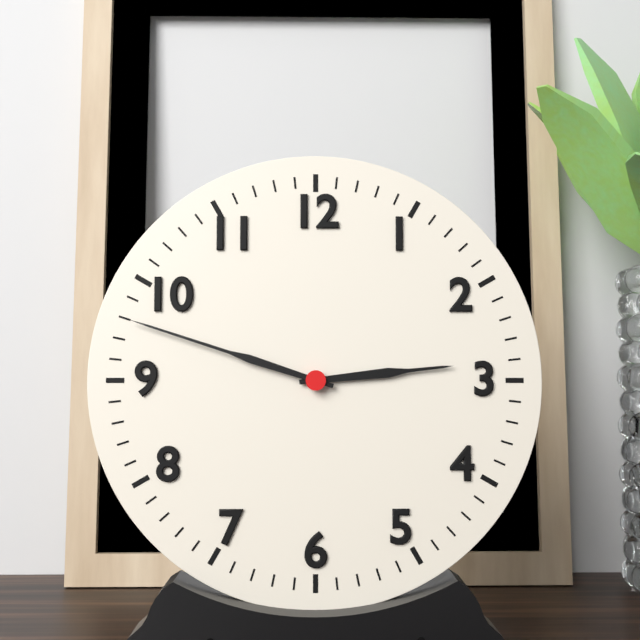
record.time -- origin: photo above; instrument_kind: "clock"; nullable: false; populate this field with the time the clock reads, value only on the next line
2:48
